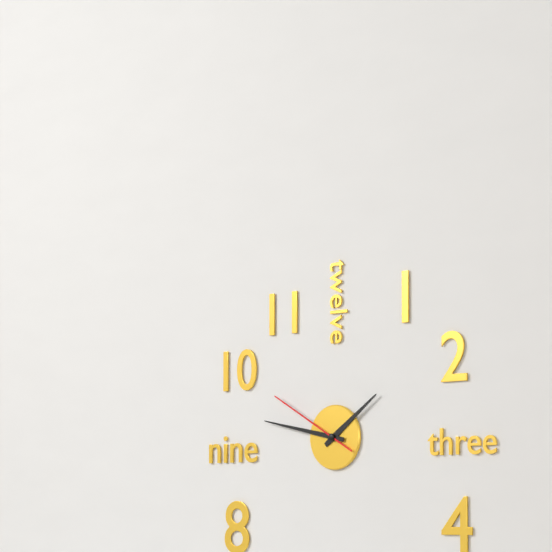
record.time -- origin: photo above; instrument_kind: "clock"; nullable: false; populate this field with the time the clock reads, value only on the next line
1:47:50
